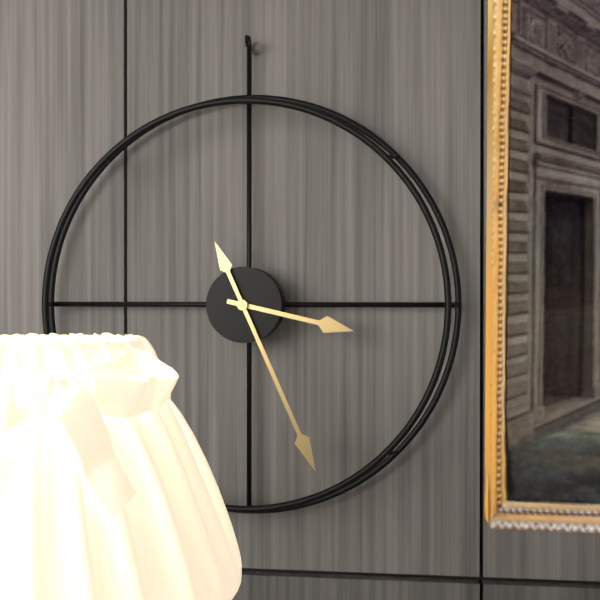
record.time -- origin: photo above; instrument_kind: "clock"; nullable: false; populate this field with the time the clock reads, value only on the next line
3:26
